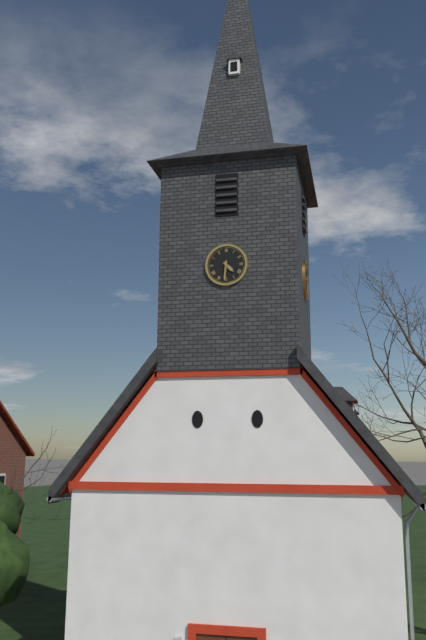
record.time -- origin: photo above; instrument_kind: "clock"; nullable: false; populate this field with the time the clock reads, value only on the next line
4:31
